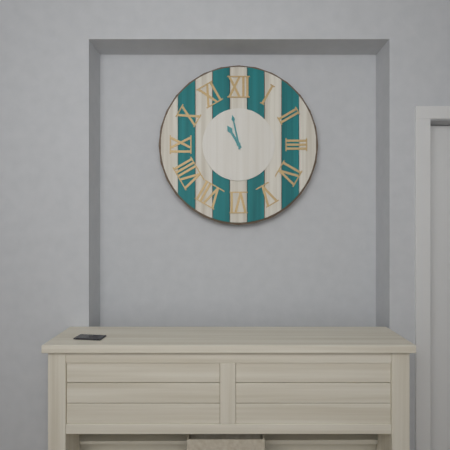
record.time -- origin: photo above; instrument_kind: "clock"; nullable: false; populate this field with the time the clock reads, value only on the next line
10:58
